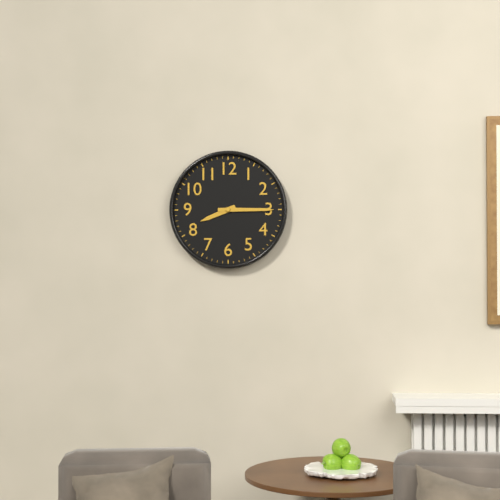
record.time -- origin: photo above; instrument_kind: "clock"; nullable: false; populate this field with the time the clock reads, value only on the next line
8:15
